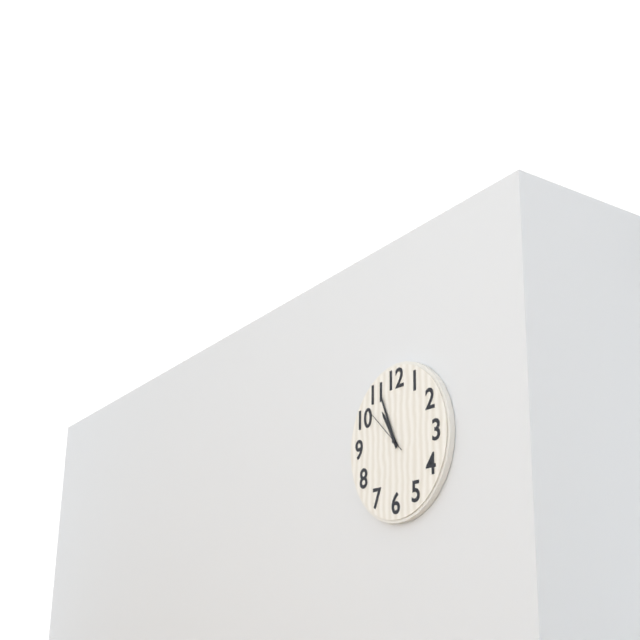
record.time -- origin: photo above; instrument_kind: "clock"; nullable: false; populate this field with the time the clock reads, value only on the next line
10:56:52
